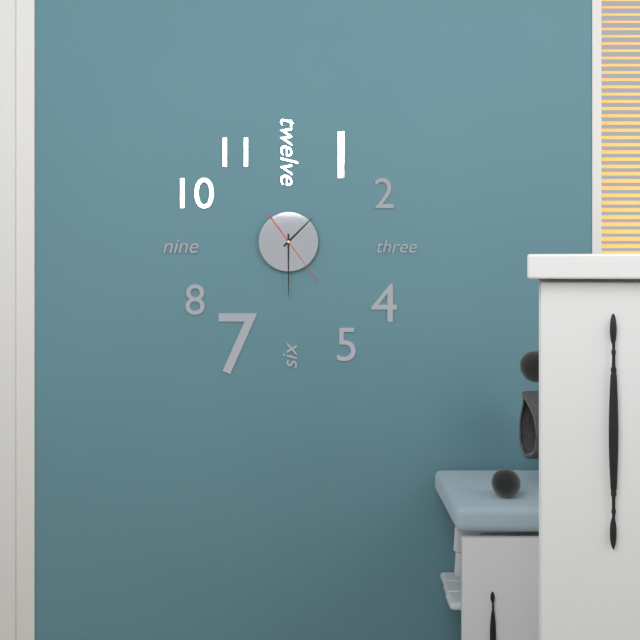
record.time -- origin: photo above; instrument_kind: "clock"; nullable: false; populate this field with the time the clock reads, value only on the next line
1:30:24
